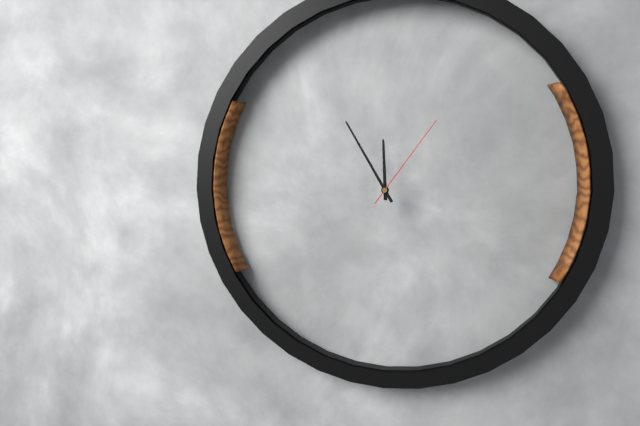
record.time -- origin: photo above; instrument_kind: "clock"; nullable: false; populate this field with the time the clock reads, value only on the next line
11:55:06
